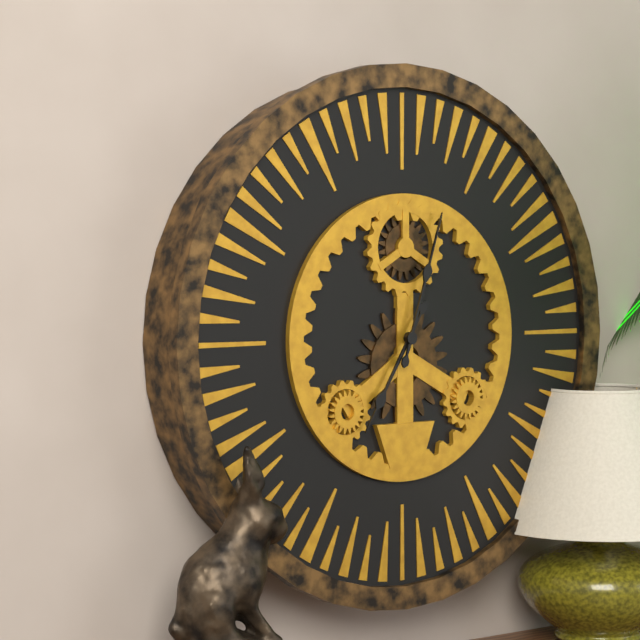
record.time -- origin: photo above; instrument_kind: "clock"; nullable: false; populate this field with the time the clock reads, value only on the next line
7:03
